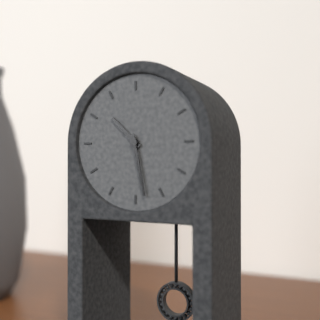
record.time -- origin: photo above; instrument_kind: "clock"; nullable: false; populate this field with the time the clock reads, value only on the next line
10:28
